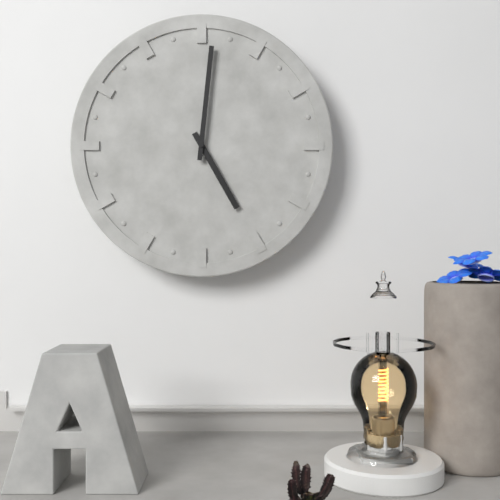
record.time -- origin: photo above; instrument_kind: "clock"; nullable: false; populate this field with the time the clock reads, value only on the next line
5:01
